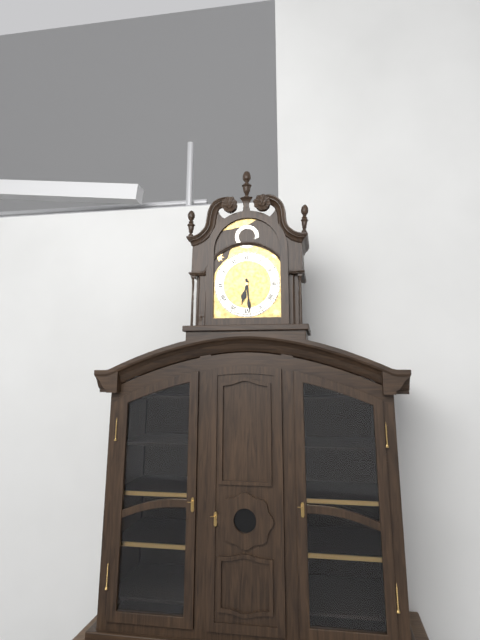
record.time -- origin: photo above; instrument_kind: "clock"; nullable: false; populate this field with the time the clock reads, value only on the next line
6:29
